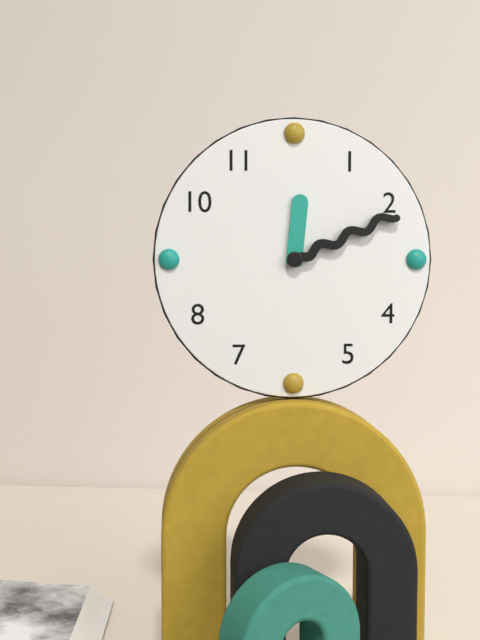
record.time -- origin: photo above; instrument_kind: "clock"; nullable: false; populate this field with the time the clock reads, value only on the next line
12:11
